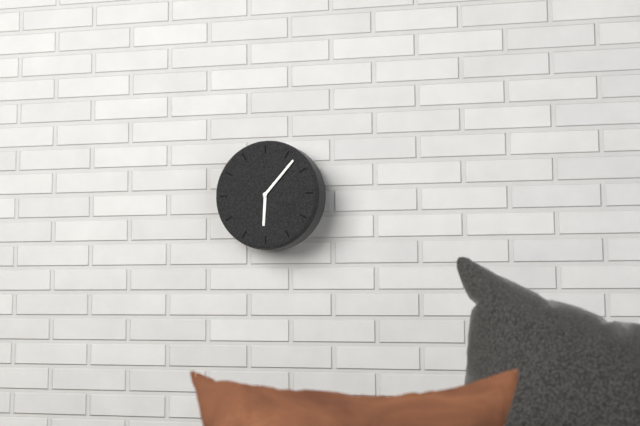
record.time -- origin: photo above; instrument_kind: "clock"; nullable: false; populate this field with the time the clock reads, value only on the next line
6:07
